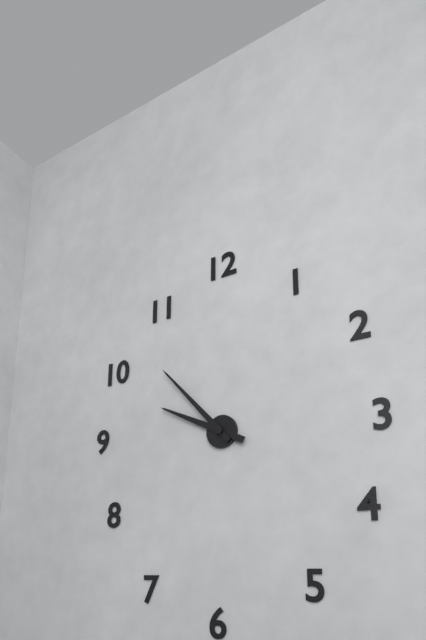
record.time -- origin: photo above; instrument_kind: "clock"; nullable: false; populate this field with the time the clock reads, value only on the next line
9:53
